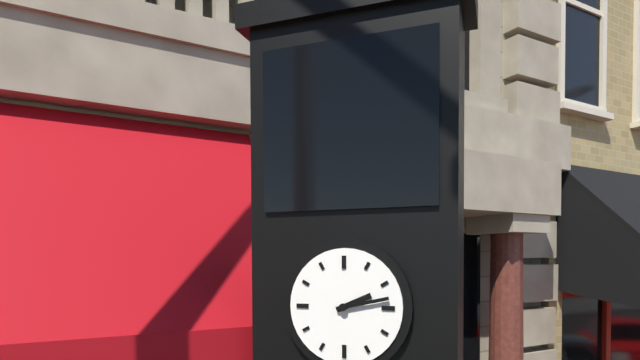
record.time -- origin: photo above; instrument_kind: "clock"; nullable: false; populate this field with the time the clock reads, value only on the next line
2:13
